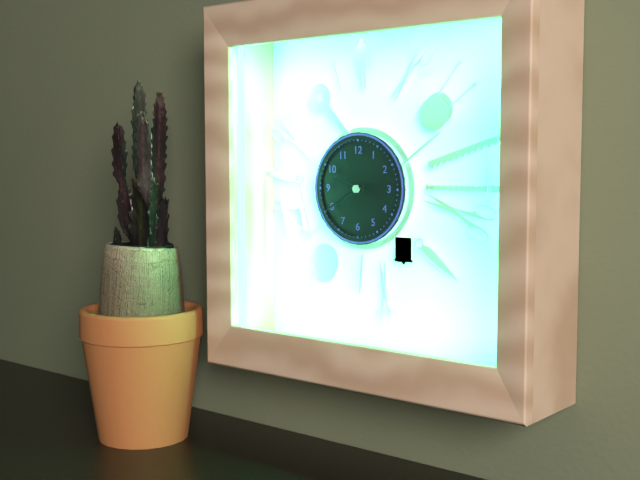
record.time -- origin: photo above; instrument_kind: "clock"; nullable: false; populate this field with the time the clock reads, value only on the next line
9:40
